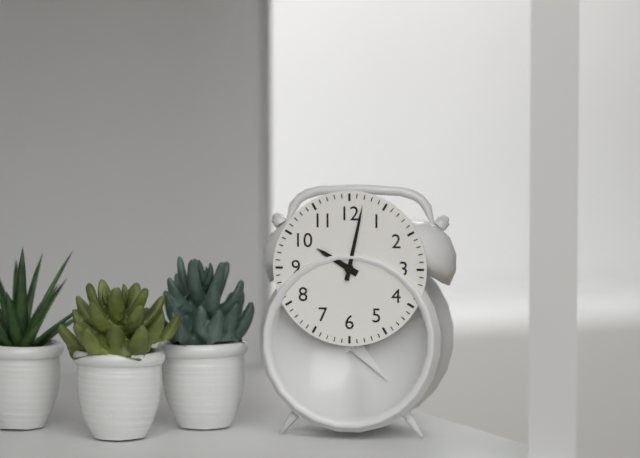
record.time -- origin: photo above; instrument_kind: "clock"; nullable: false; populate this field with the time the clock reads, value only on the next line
10:02
